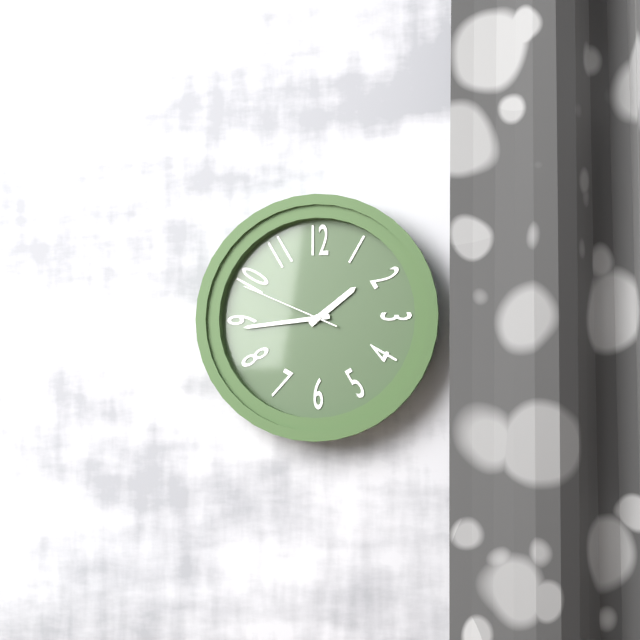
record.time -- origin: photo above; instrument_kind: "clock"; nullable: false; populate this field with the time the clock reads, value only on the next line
1:44:49
